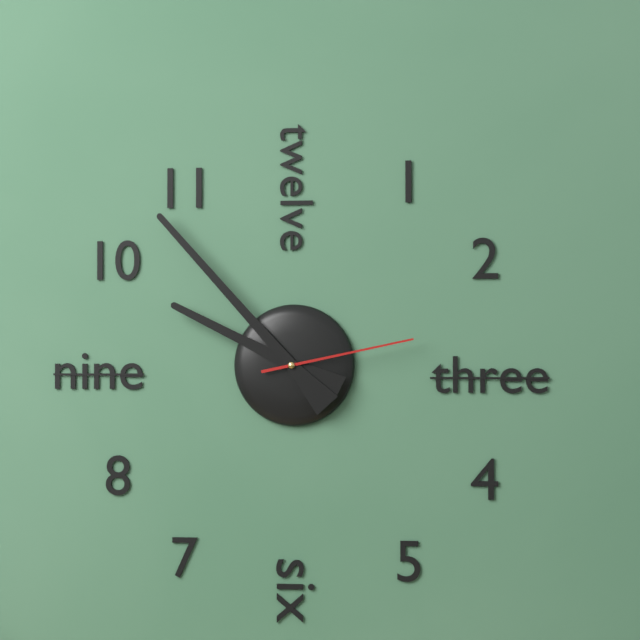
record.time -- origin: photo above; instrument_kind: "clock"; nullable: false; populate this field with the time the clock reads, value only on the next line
9:53:13
